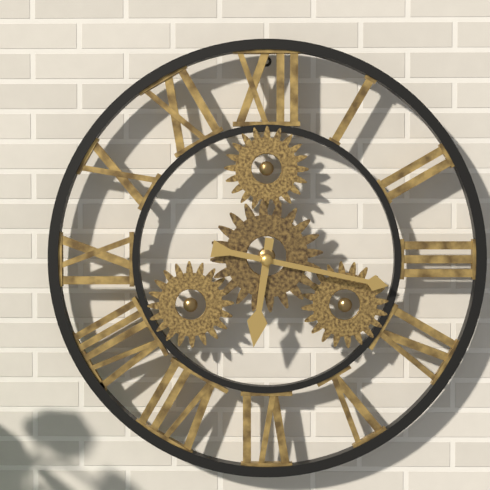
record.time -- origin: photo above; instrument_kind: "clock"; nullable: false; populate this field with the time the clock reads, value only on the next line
6:17
